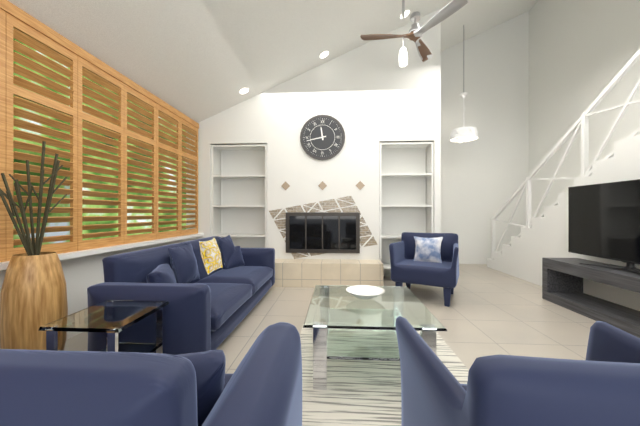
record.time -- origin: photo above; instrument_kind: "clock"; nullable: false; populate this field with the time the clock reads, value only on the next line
11:43
